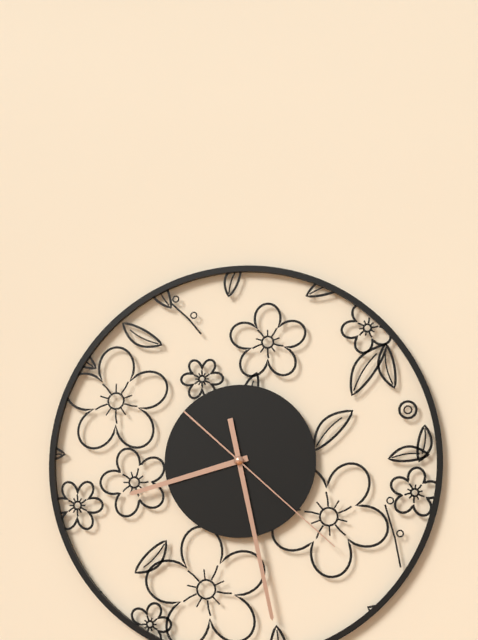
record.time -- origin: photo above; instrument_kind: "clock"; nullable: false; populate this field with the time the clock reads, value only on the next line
8:28:22
